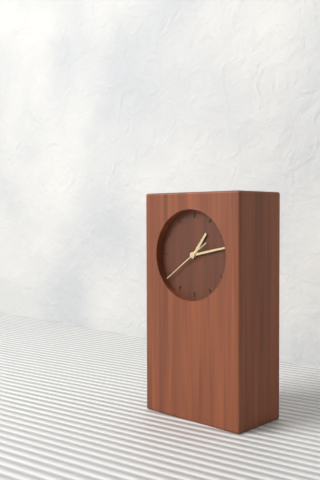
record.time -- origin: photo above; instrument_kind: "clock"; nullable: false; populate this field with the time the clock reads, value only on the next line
1:13
